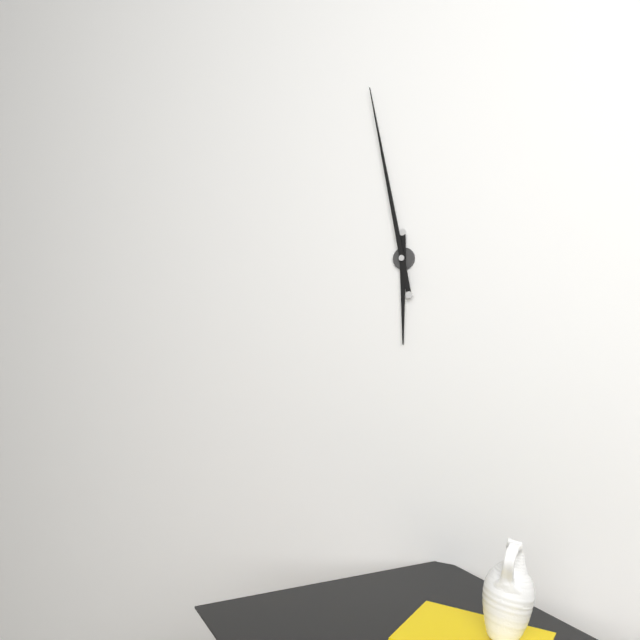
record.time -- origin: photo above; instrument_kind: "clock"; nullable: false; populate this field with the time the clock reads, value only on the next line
5:58
